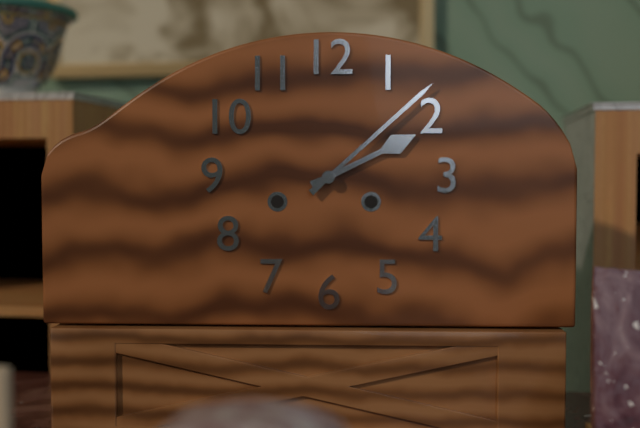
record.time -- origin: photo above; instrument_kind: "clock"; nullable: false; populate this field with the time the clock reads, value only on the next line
2:08
